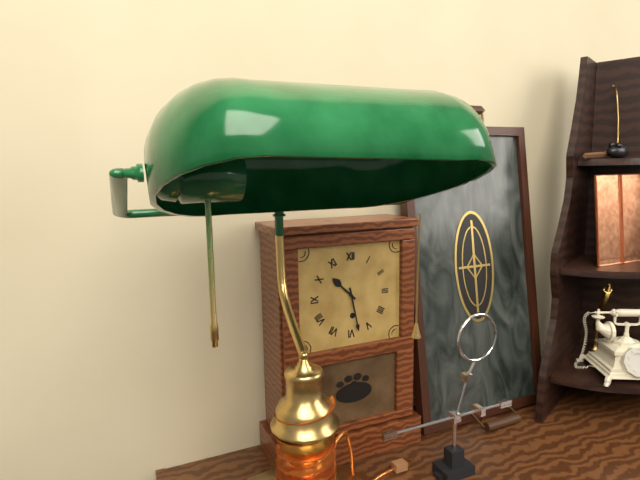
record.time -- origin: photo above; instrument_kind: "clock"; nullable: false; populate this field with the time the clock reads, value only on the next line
10:28
